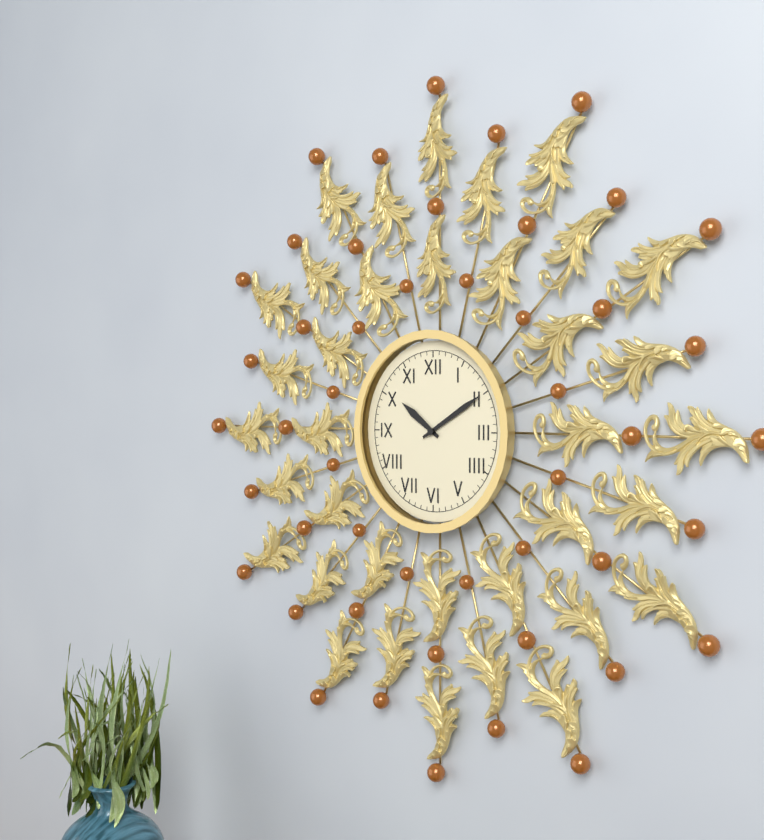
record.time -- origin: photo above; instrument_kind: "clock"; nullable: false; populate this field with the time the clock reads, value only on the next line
10:10
